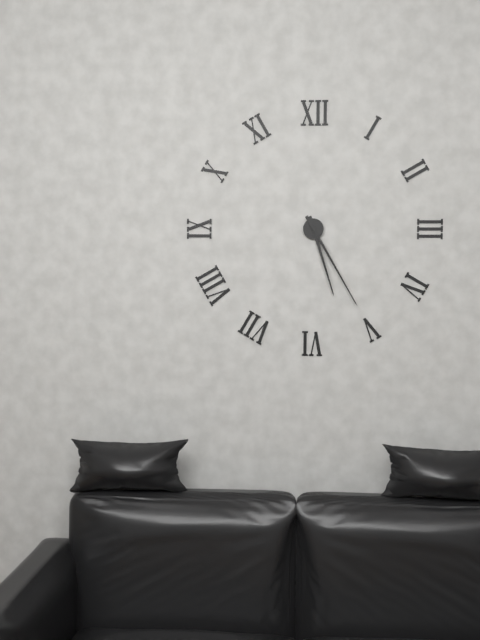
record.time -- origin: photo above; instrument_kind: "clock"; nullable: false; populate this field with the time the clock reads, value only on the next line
5:25
